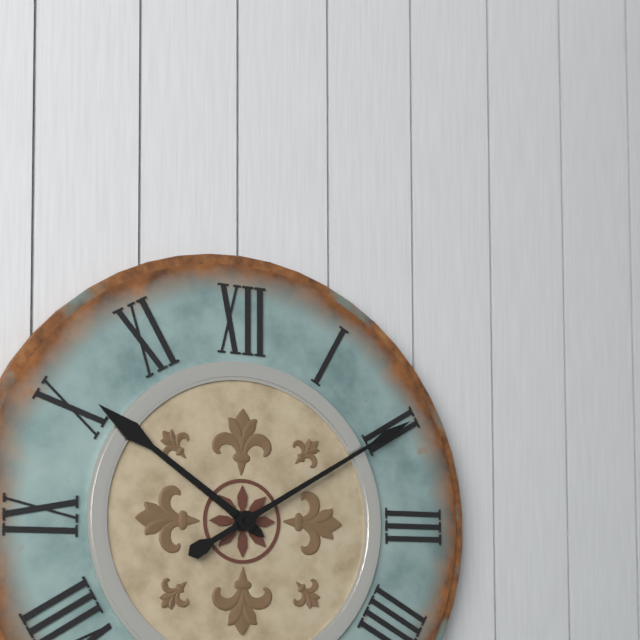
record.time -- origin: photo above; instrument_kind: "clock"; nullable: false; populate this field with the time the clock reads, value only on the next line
10:10
